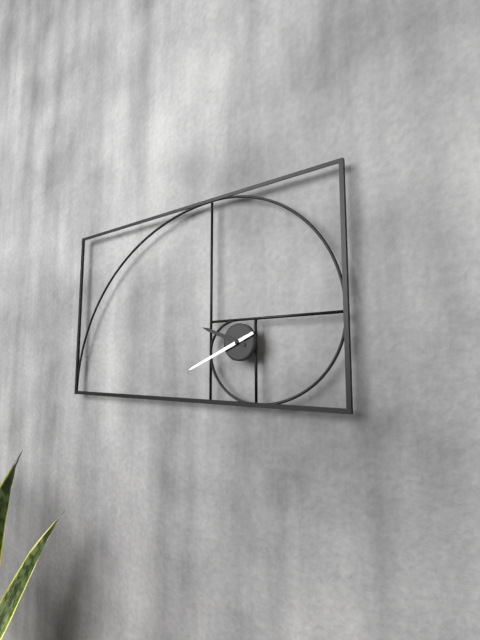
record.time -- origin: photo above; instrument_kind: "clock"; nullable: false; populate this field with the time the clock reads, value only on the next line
9:41
